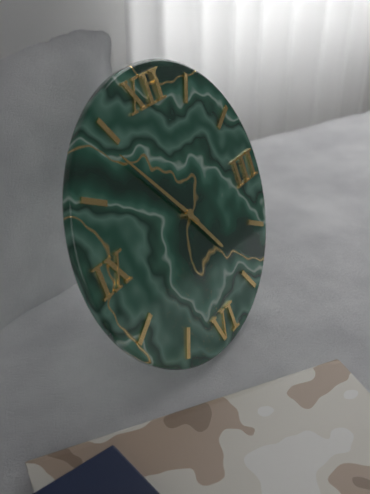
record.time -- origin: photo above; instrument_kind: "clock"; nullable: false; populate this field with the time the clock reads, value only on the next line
4:54
